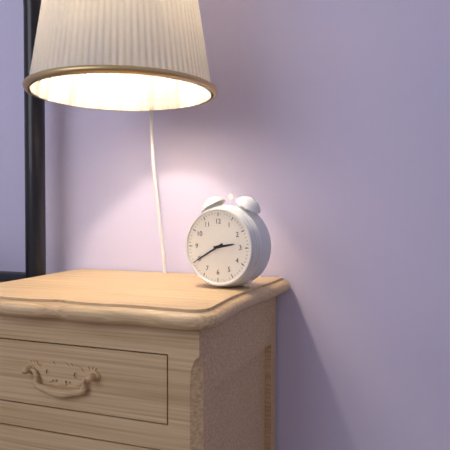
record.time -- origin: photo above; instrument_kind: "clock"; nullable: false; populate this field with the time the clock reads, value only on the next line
2:40
